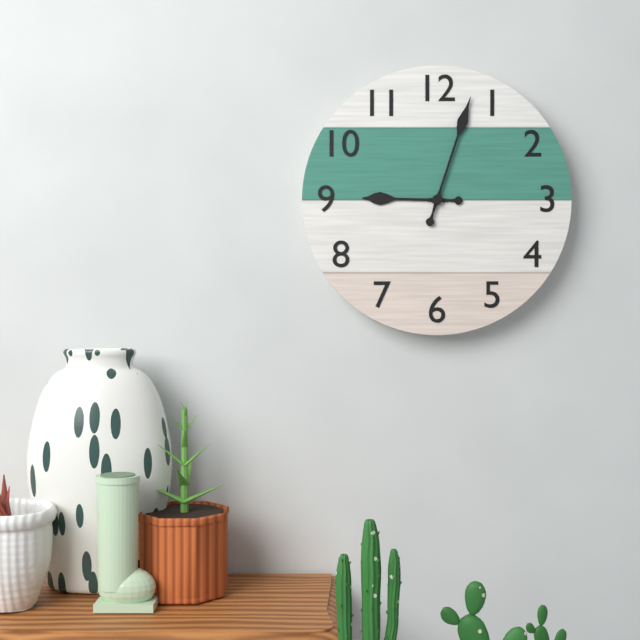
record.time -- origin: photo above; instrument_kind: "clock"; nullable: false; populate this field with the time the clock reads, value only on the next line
9:03
